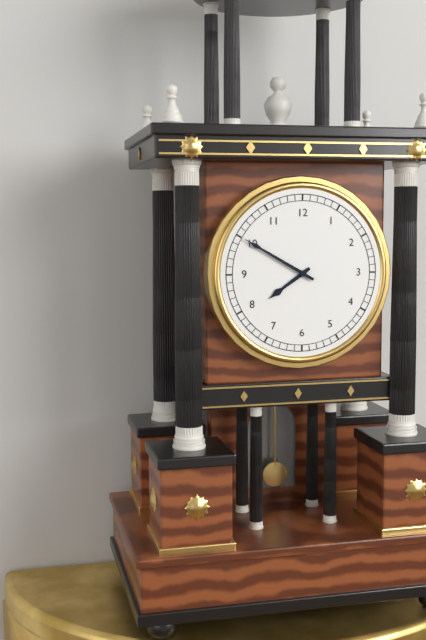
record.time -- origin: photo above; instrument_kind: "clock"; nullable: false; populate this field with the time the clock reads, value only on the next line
7:50
